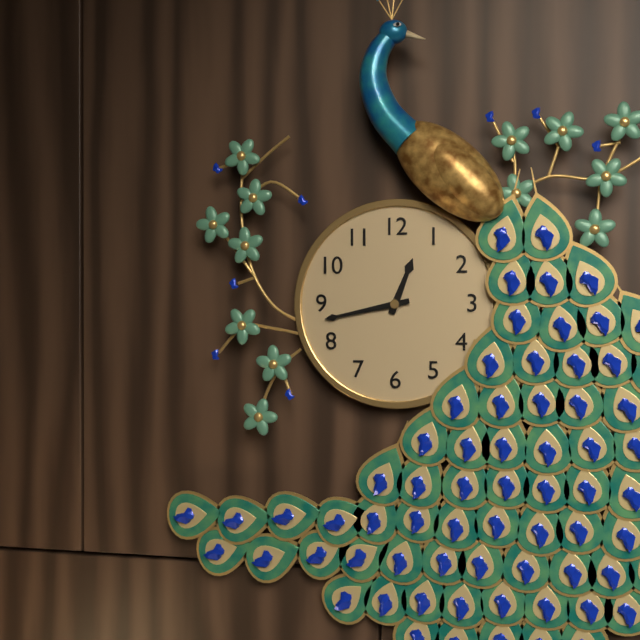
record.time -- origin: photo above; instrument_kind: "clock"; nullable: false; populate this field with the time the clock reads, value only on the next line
12:43
